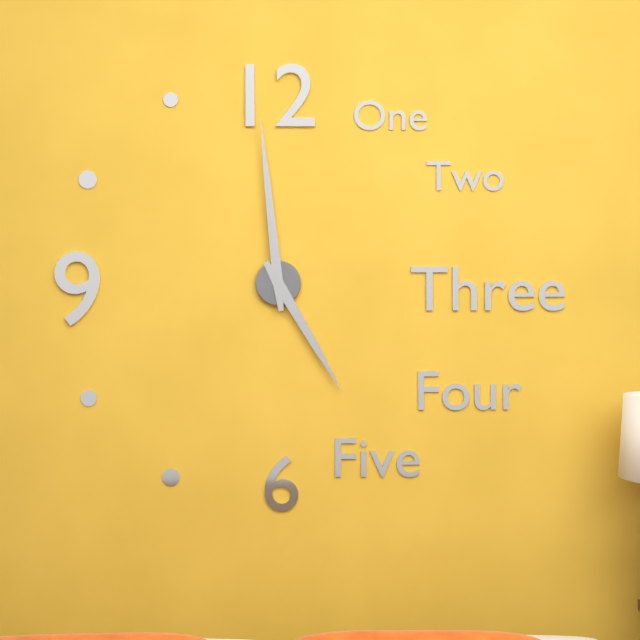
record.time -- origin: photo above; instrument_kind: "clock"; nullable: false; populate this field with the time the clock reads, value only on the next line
4:59
